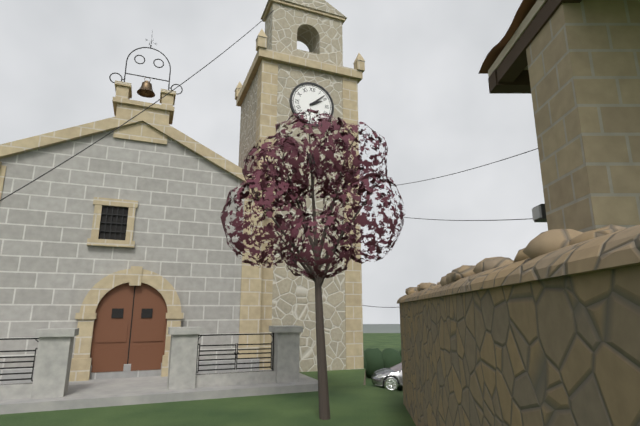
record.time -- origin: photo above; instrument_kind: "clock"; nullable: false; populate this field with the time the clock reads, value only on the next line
2:08
